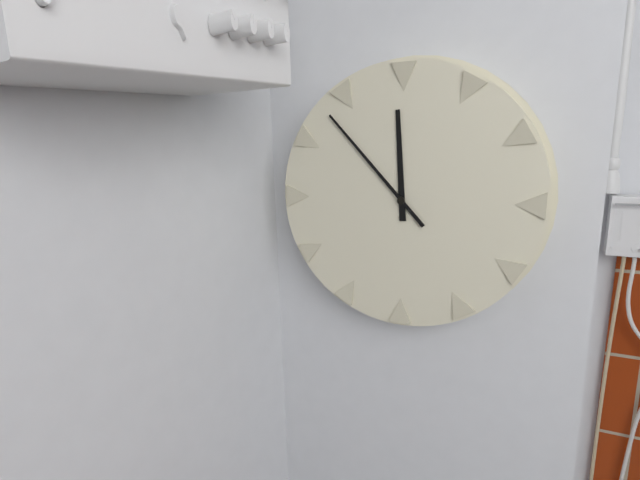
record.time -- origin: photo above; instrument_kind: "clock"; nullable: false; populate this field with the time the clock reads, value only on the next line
11:53
